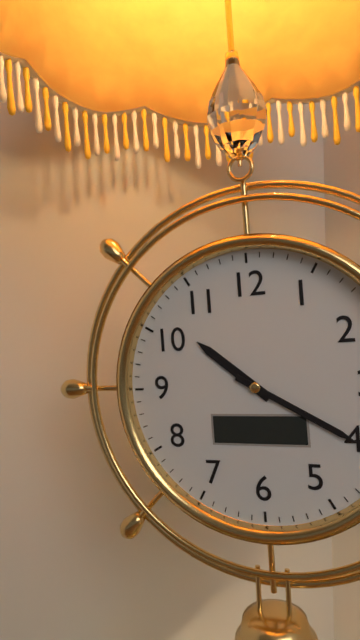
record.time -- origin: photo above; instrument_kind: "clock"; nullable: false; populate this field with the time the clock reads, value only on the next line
10:20
